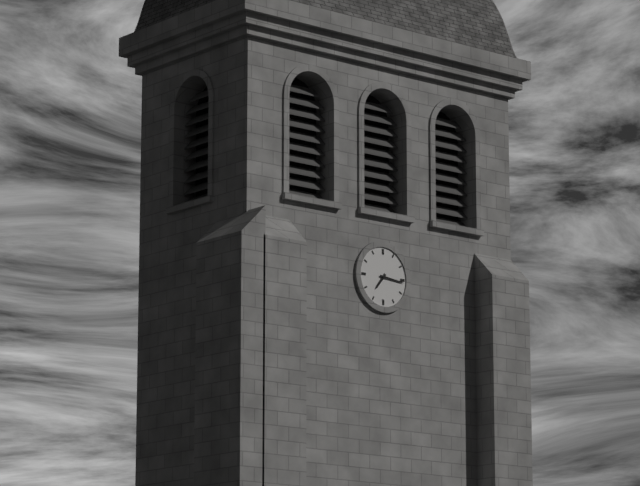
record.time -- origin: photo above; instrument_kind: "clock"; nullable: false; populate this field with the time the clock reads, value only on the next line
7:16
